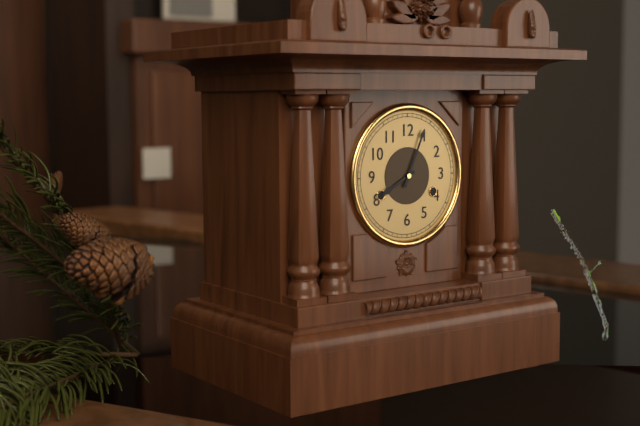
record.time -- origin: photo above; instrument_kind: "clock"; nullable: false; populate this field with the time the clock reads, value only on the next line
8:04
